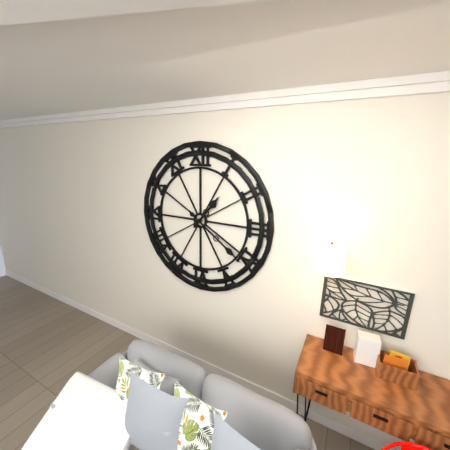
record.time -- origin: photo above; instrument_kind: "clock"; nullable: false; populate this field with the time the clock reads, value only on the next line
1:21
